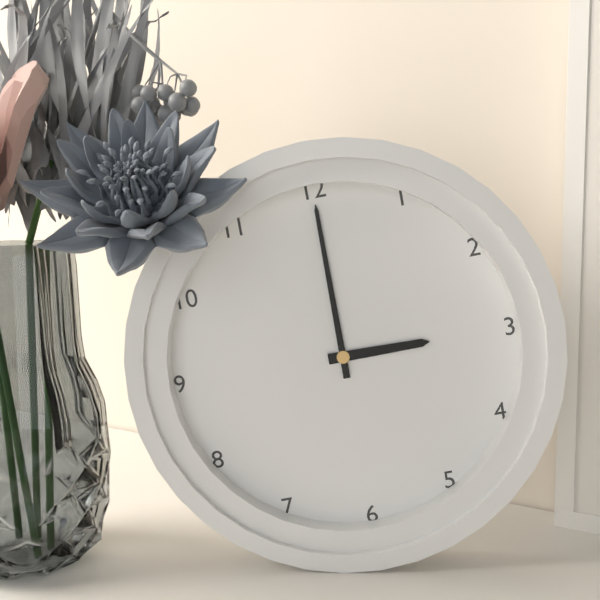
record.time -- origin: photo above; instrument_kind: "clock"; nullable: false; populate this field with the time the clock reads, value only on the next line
3:00
